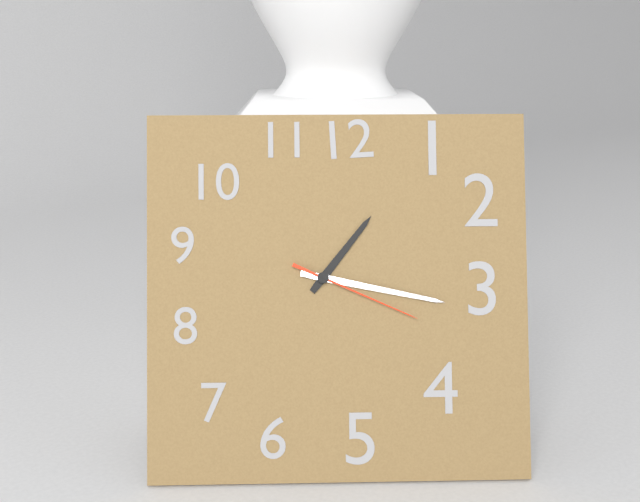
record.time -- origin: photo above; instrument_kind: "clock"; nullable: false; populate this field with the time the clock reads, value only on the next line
1:17:19
